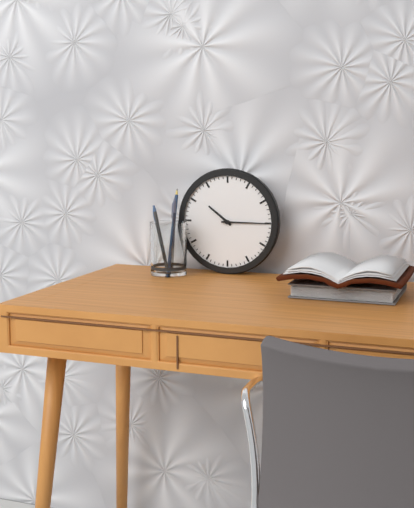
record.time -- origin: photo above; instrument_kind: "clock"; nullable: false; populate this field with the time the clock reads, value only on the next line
10:15
